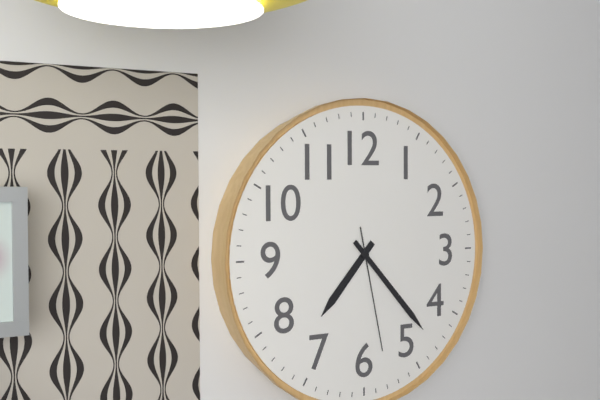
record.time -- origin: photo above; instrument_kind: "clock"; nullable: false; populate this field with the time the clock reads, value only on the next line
7:23:28
